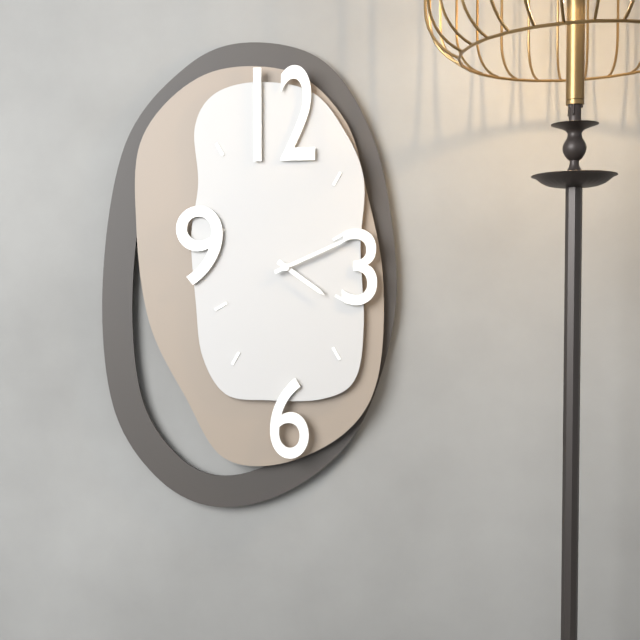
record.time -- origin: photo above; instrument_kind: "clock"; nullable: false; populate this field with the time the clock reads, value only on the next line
4:11
